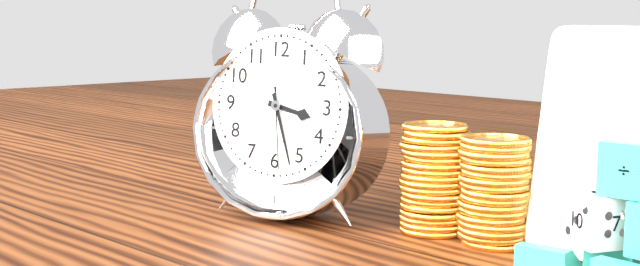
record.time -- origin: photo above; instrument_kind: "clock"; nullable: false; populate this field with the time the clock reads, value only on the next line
3:27:29
